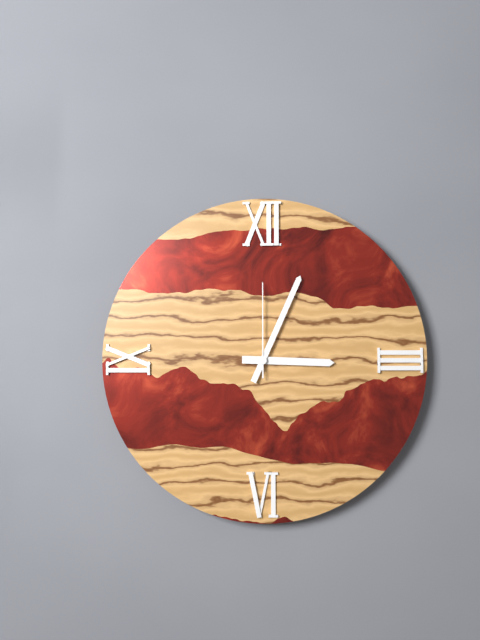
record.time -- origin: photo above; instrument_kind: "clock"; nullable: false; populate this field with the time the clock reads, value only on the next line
3:04:00
